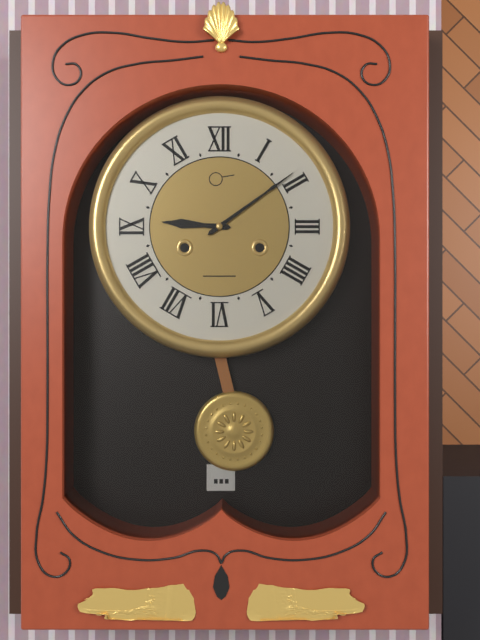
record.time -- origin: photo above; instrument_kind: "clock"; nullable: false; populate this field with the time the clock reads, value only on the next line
9:09
